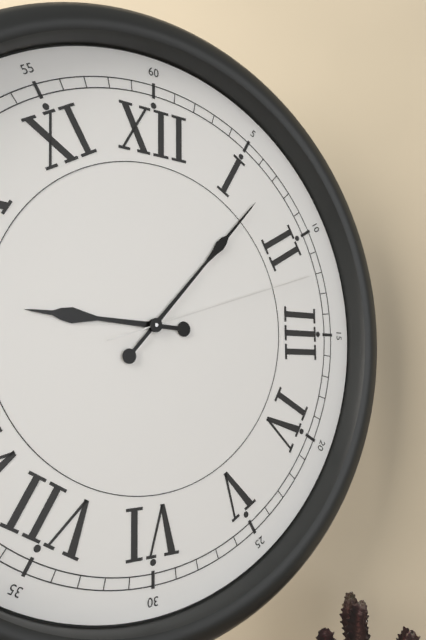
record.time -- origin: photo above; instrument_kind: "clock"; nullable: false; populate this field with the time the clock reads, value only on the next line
9:07:12
